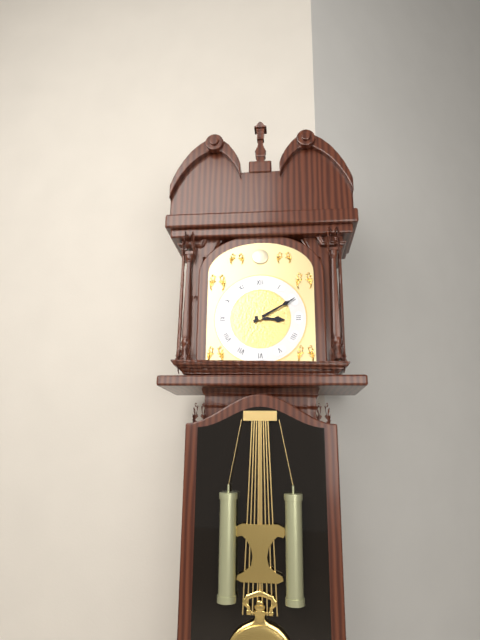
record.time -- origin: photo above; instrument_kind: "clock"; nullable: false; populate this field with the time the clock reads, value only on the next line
3:10
